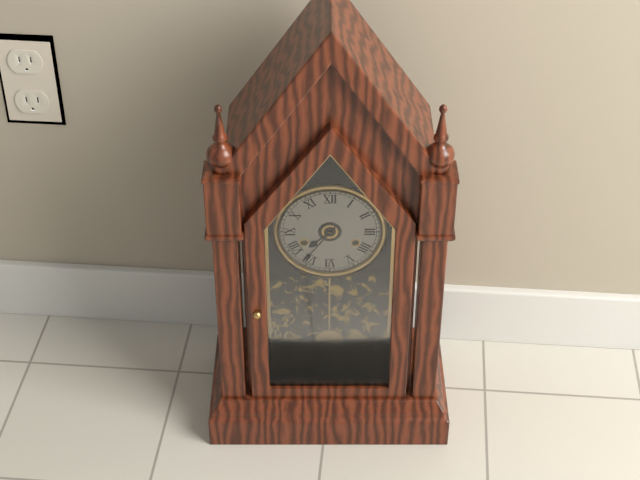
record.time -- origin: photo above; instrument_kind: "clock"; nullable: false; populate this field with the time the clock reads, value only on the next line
7:36
